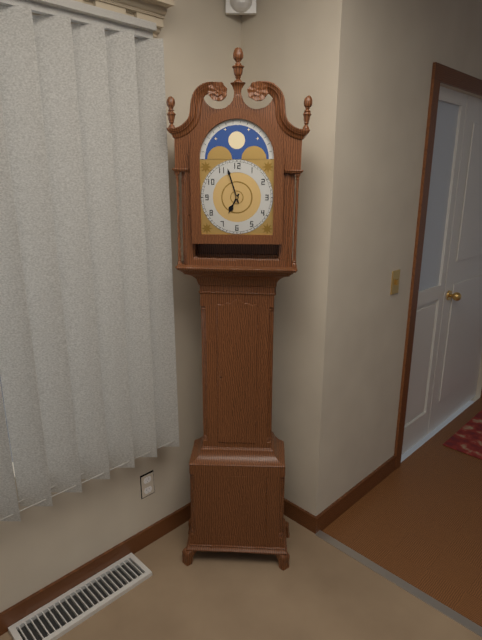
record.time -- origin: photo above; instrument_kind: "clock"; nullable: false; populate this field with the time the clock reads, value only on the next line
6:57
